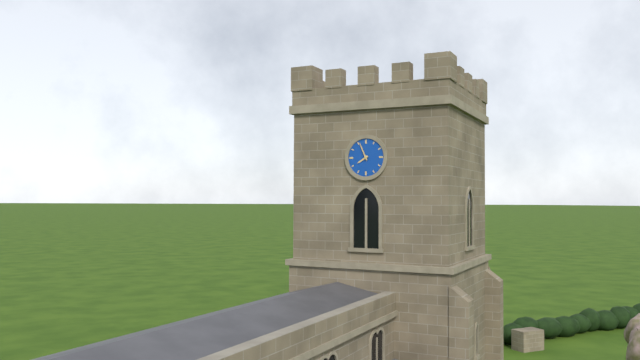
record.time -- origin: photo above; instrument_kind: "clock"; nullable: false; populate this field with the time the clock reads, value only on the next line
7:56
